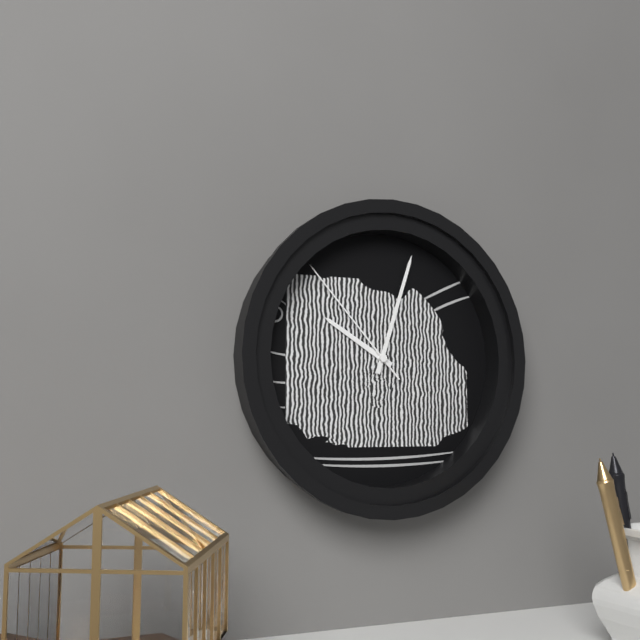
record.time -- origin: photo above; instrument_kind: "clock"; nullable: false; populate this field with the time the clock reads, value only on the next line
10:03:53
